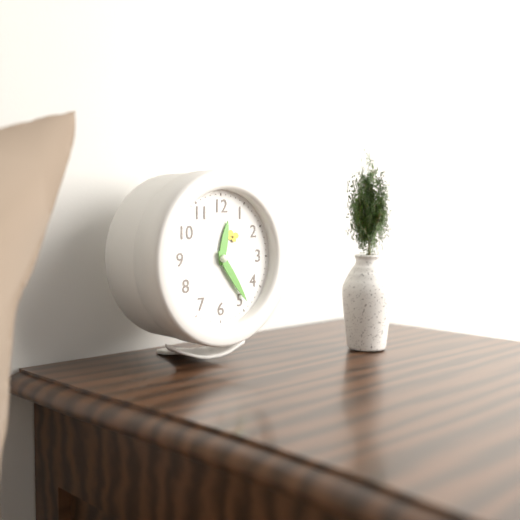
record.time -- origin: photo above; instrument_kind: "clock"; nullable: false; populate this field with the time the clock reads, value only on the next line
12:24
